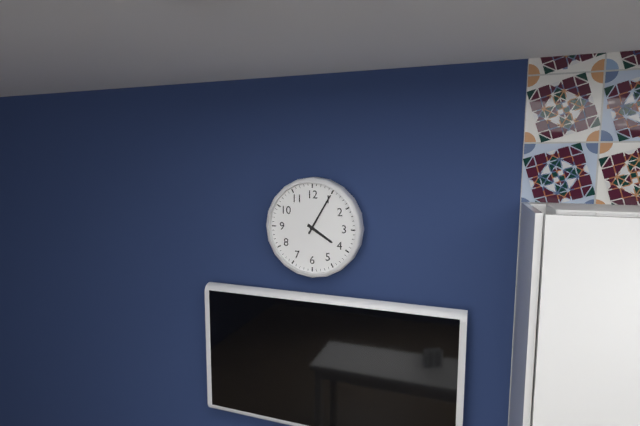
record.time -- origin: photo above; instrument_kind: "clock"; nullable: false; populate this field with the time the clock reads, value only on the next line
4:05
